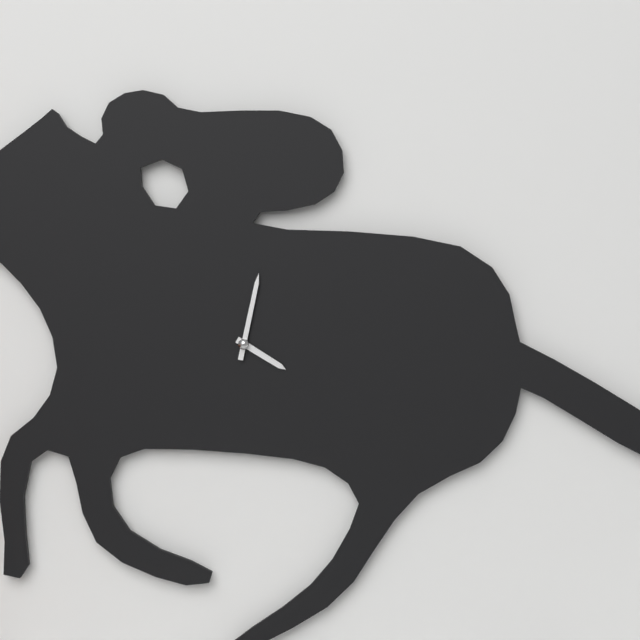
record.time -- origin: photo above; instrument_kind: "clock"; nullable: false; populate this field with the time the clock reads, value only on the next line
4:02
